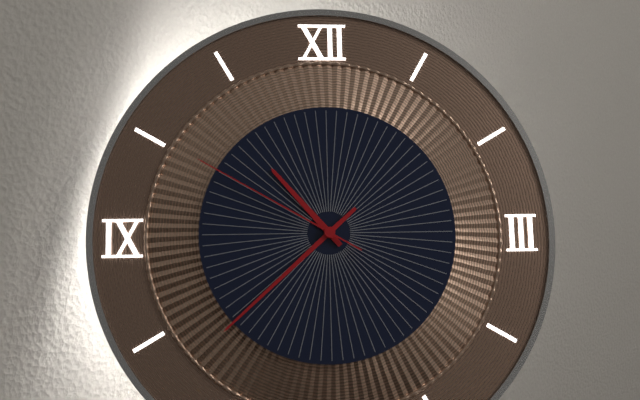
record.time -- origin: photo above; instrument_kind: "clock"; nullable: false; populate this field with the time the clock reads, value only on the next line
10:38:50
